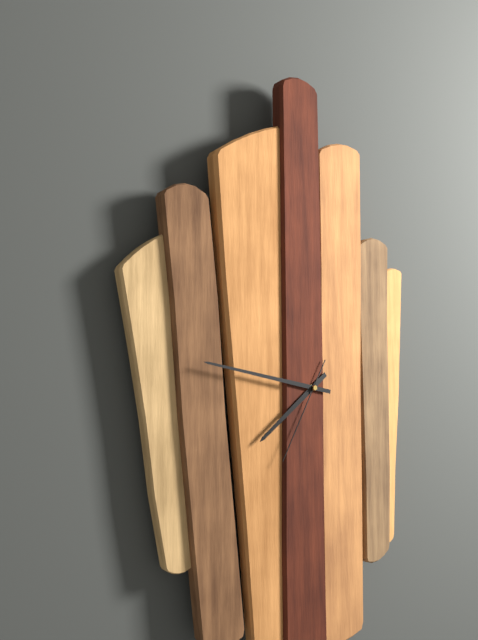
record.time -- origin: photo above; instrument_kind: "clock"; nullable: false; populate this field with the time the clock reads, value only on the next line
7:47:35
